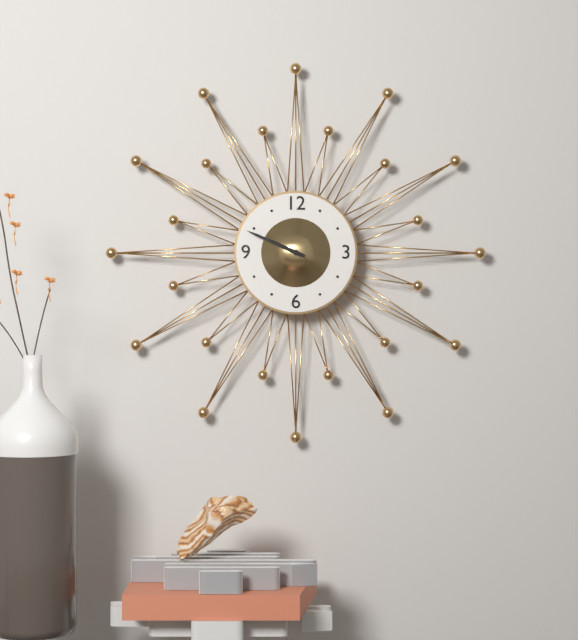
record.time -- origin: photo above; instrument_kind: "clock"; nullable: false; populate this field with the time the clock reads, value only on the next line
9:49
